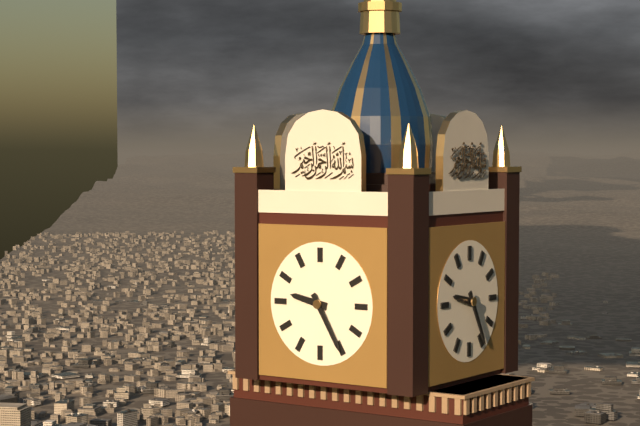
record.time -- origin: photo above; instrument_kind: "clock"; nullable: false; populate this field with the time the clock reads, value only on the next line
9:25
